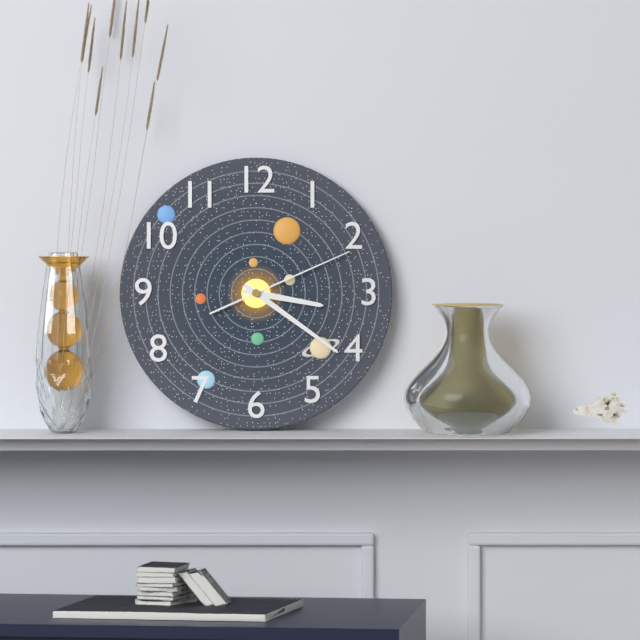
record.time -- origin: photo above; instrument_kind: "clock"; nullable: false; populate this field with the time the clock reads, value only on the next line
3:21:11
